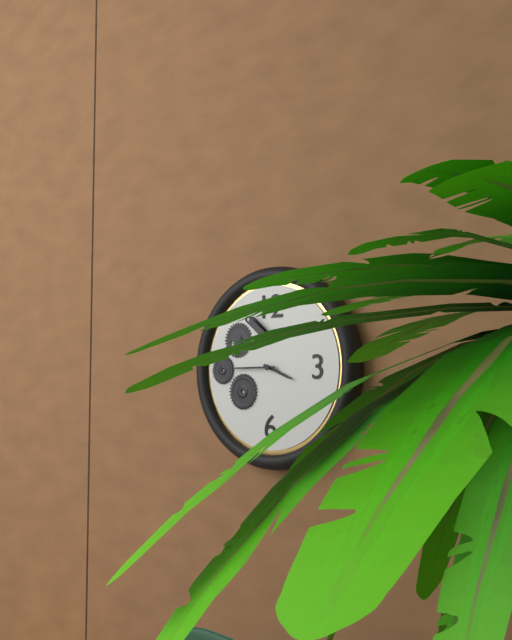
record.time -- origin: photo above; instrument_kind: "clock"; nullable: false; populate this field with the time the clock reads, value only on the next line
3:45
